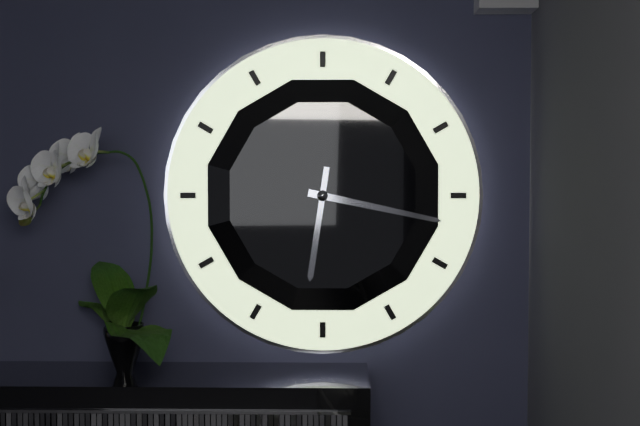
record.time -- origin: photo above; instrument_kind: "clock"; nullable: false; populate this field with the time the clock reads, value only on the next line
6:17
